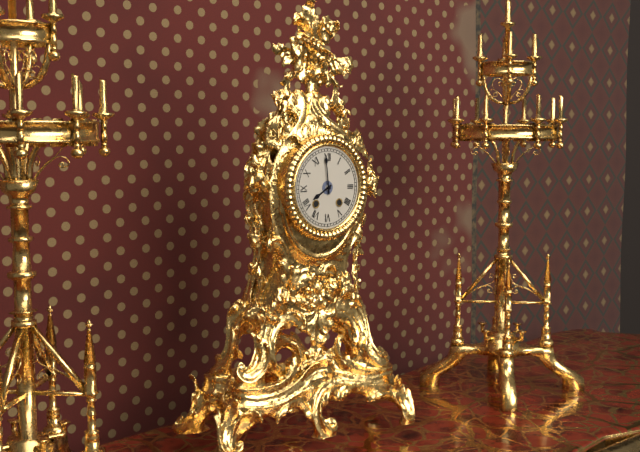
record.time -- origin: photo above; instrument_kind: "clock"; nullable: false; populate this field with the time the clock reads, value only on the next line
7:59
